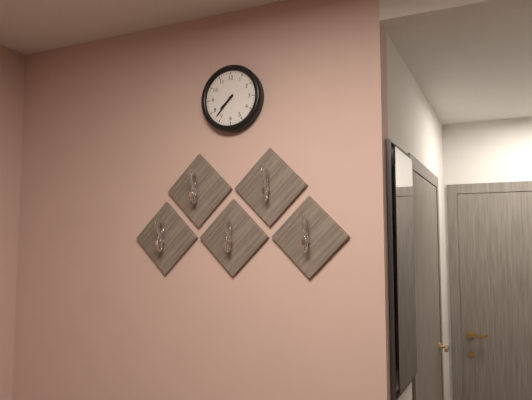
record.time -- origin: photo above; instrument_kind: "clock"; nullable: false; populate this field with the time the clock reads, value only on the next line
7:37
